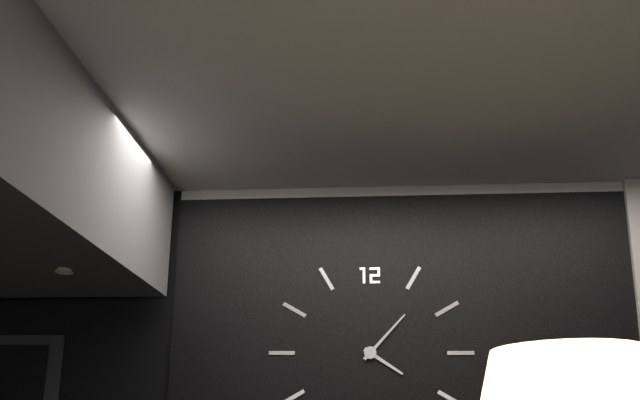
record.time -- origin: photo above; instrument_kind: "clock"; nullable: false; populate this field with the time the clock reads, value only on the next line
4:07
